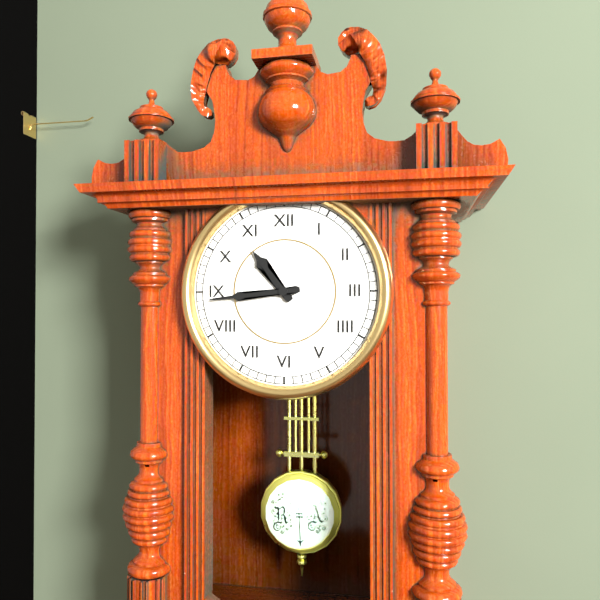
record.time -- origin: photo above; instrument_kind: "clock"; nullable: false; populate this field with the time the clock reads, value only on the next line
10:44
